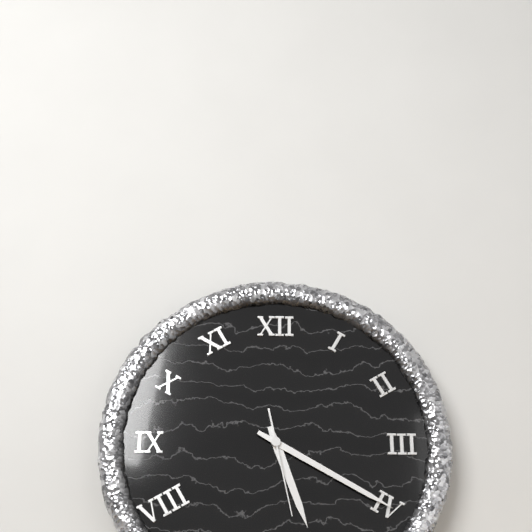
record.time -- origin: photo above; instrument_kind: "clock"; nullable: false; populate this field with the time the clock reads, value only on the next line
5:20:28
